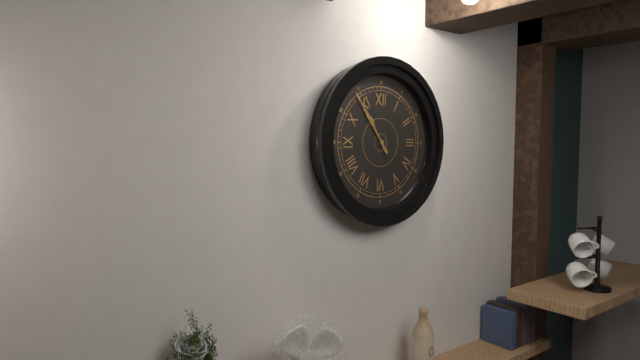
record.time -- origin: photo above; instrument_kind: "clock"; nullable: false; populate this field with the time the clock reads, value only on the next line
10:54
